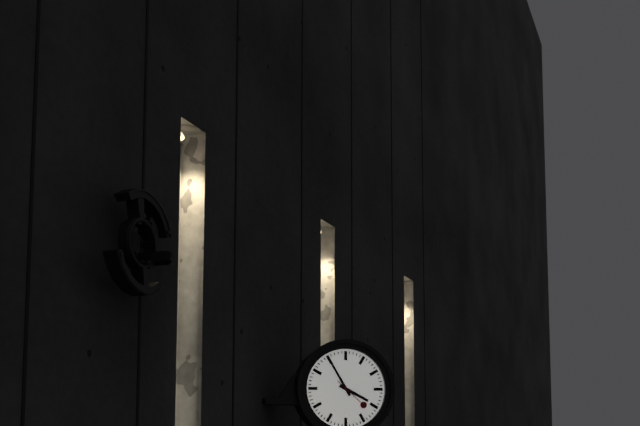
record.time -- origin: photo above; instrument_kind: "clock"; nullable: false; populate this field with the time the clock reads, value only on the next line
3:55
